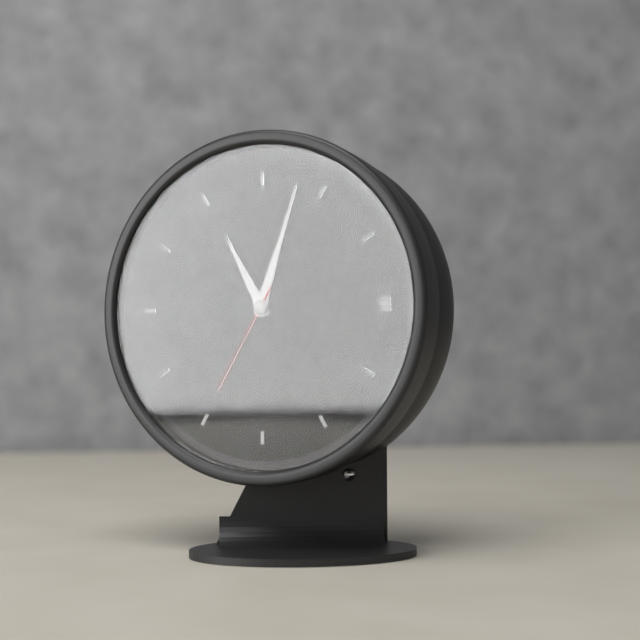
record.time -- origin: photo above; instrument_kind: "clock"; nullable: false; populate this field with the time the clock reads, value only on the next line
11:03:35
